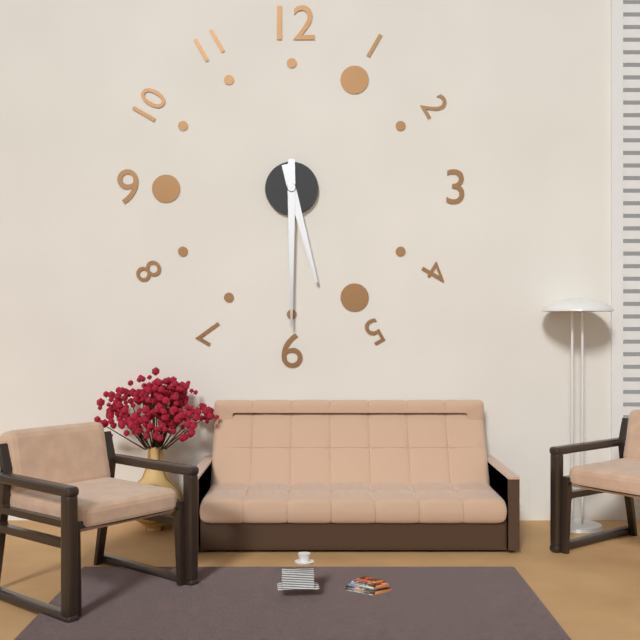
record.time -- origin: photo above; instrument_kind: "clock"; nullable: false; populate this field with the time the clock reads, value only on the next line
5:30
